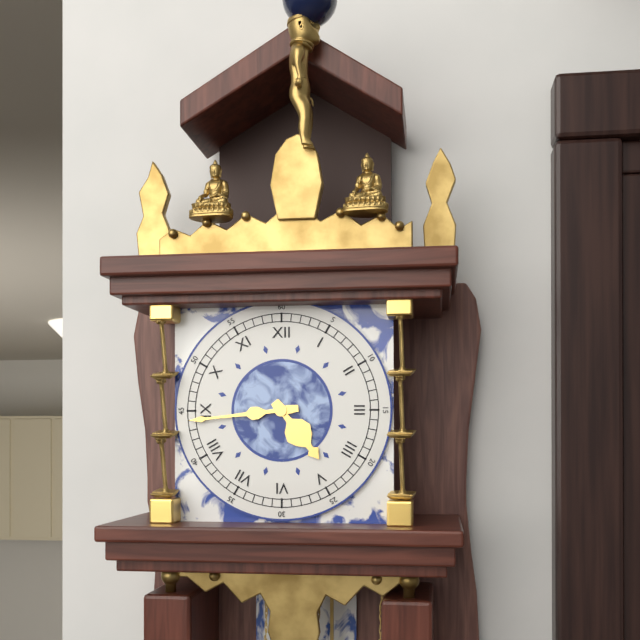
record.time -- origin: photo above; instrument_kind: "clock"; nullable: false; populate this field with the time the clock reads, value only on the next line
4:44
